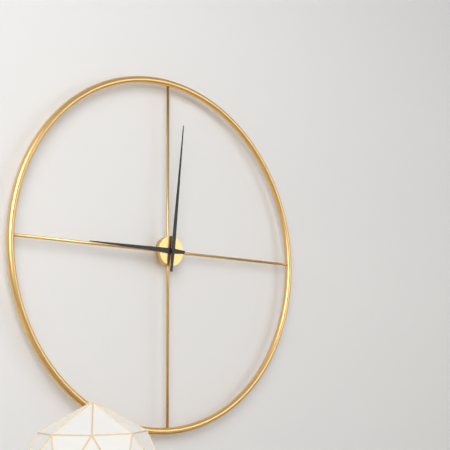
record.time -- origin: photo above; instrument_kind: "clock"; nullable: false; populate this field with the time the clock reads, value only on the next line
9:01
